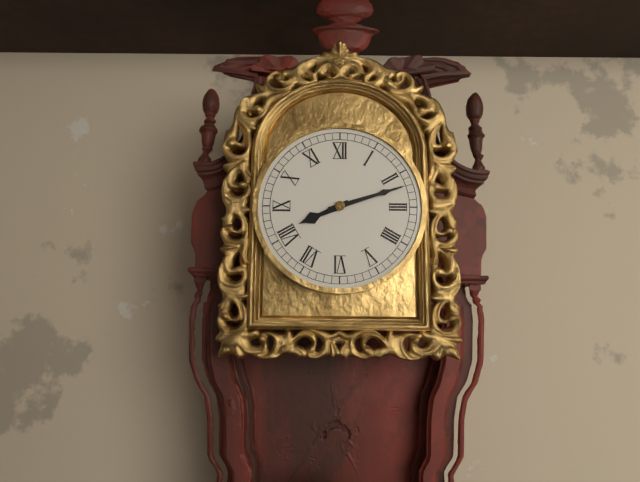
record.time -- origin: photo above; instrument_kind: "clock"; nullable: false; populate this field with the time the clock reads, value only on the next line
8:12
